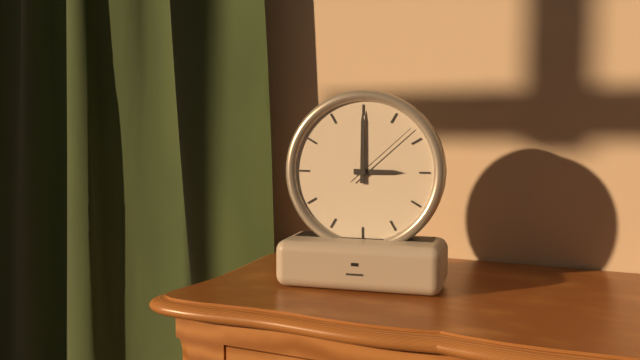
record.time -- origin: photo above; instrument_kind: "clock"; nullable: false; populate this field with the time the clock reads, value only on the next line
3:00:08
